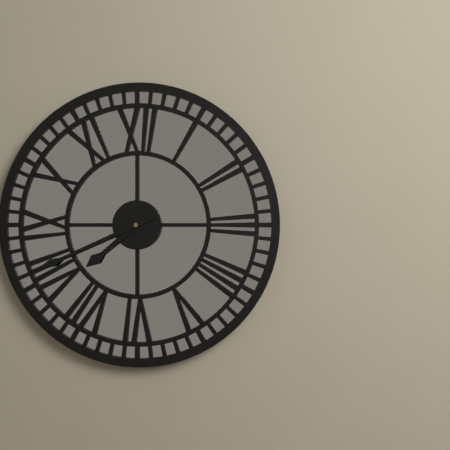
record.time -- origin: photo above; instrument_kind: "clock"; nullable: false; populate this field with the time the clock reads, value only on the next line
7:41
